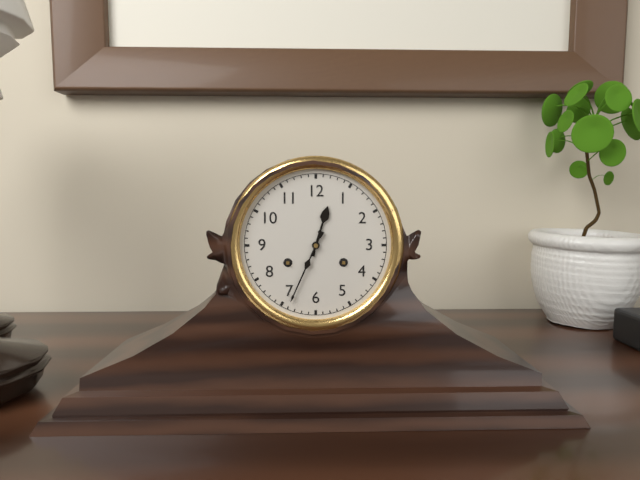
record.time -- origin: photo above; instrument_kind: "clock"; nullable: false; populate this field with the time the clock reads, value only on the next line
12:34
